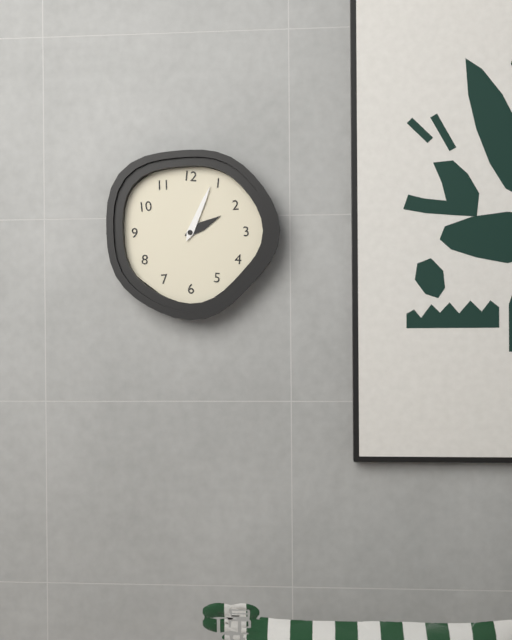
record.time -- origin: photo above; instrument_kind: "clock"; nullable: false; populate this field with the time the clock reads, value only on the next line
2:04
